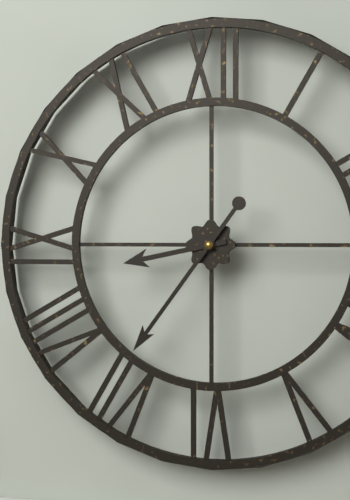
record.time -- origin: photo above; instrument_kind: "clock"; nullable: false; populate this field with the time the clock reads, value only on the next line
8:36
